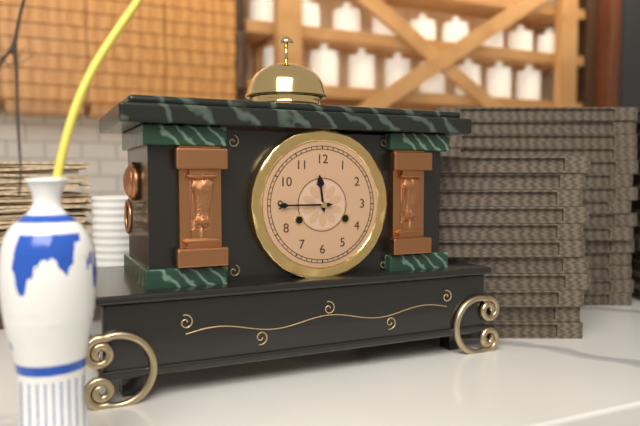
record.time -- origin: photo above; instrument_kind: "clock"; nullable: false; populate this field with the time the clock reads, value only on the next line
11:45
